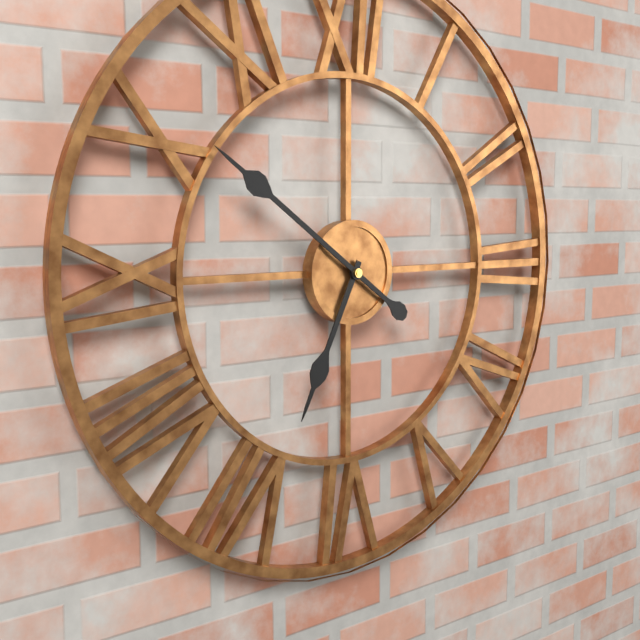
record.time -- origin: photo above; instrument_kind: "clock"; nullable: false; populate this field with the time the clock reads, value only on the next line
6:51
